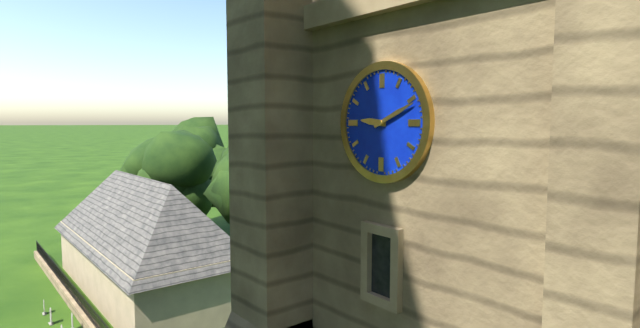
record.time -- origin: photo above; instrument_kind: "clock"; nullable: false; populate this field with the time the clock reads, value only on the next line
9:11
